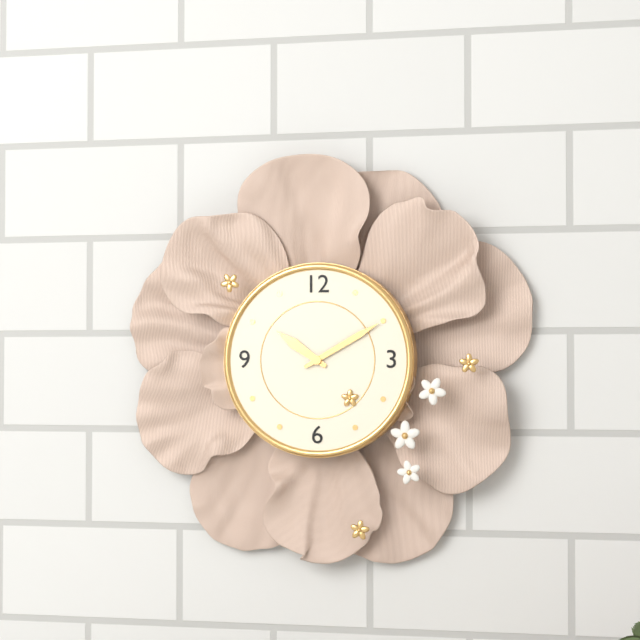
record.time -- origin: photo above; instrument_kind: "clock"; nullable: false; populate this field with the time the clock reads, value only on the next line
10:10
